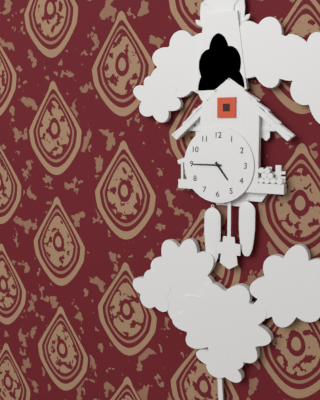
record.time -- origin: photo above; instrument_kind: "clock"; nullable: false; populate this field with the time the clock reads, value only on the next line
4:45
